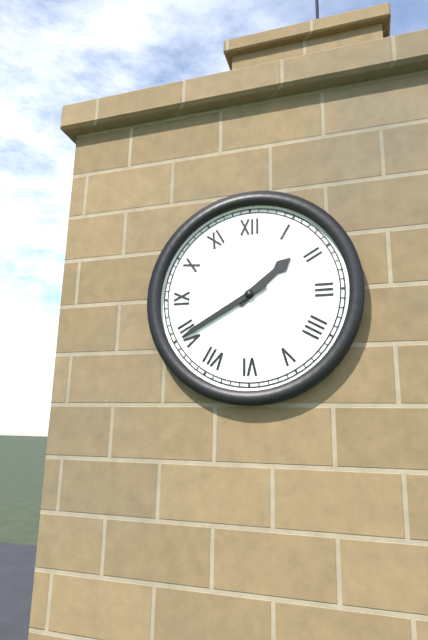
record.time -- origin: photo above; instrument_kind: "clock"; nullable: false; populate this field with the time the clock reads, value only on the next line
1:40
